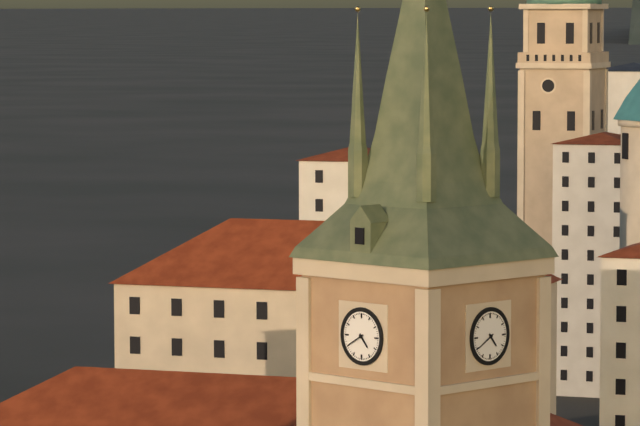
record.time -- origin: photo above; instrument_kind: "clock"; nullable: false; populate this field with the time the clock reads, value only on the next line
4:40
